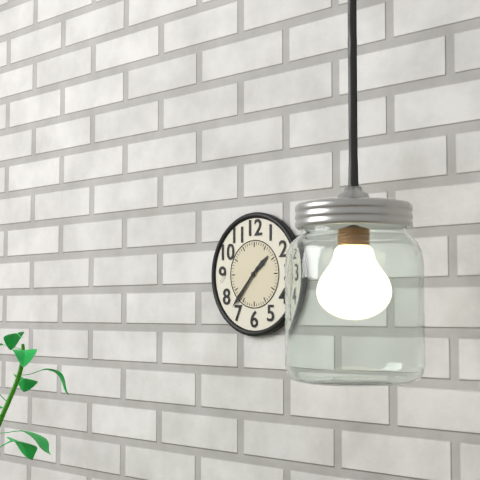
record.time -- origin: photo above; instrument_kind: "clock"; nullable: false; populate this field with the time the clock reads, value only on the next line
1:37
